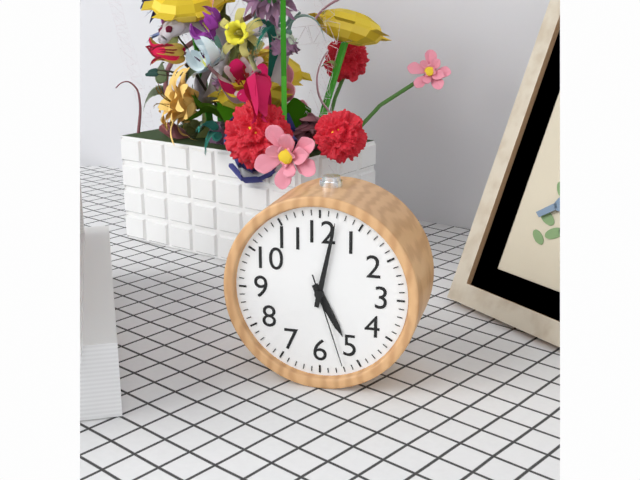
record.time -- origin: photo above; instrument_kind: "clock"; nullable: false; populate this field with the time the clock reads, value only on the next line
5:02:27
